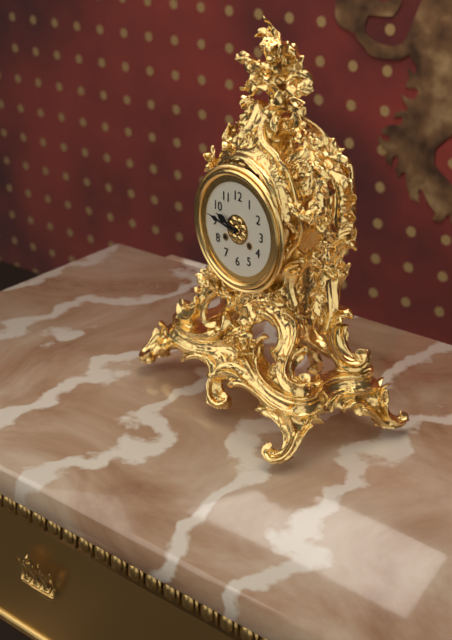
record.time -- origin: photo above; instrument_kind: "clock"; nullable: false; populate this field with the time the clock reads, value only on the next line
9:47
